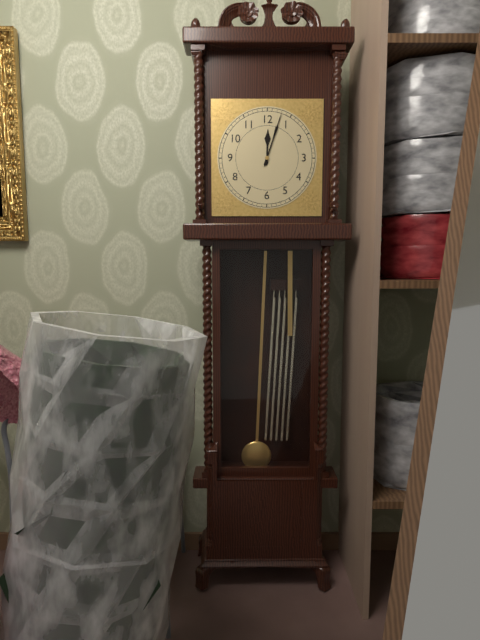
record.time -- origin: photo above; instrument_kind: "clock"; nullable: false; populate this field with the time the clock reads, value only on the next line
12:03
